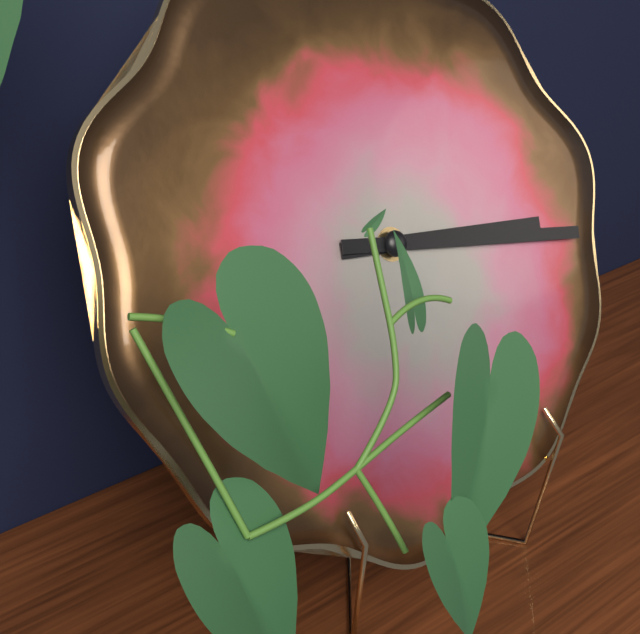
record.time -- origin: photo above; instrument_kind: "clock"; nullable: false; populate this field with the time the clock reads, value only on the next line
3:17
